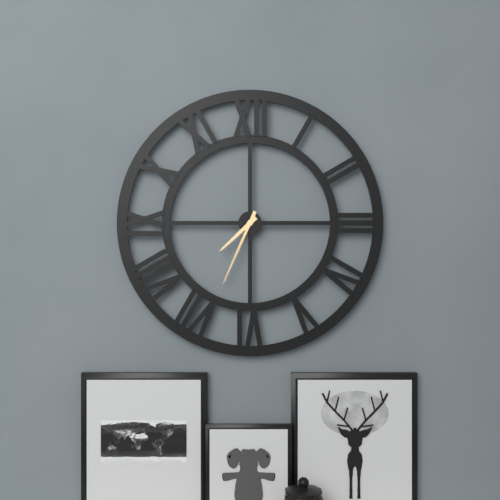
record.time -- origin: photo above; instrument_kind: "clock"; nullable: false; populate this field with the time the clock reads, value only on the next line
7:34
